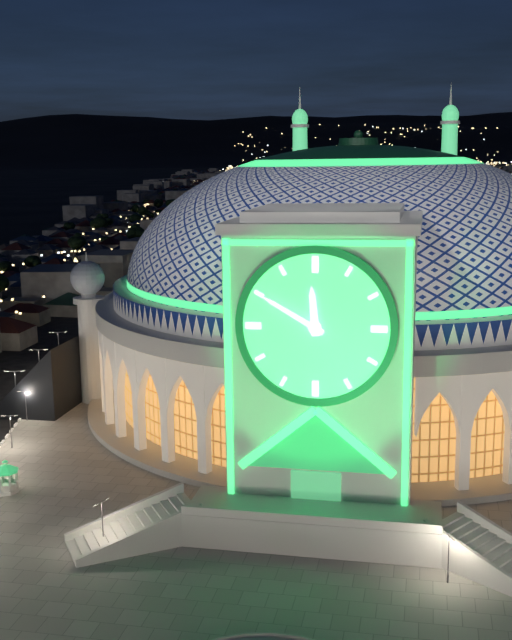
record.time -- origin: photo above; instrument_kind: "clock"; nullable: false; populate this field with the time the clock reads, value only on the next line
11:50
